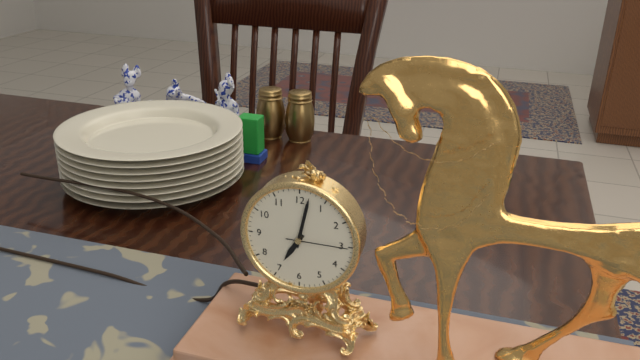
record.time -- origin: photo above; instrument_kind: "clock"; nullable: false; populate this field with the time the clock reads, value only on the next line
7:02:15
